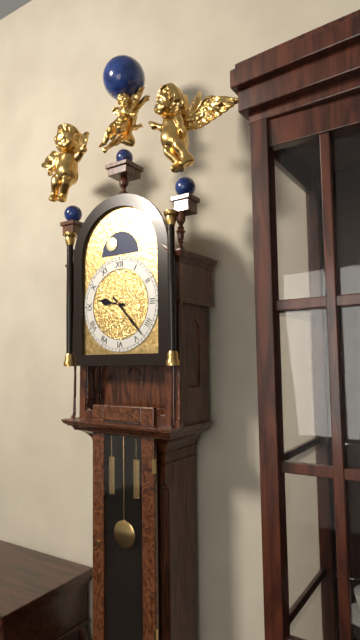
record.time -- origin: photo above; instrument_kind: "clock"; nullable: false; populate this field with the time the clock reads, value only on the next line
9:23
